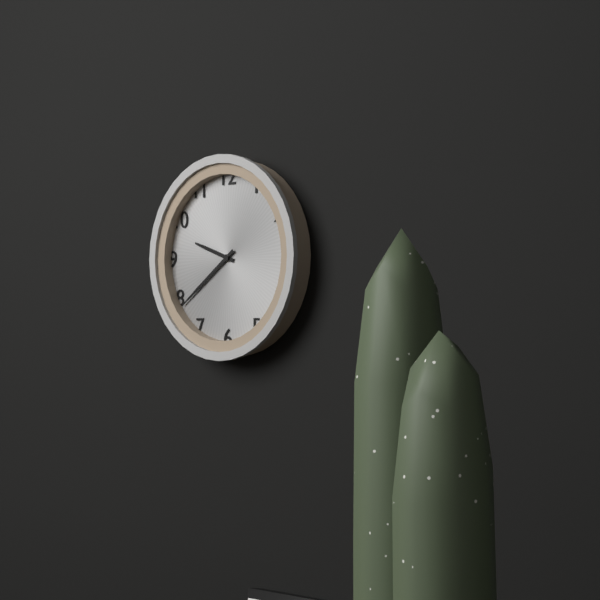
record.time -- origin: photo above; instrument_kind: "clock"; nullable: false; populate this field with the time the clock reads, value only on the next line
9:39
